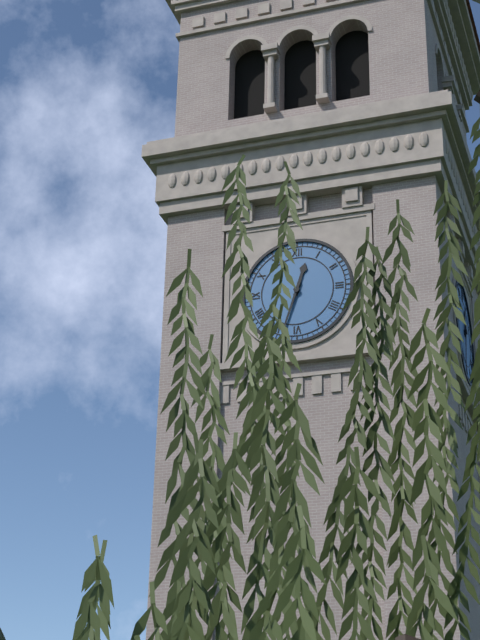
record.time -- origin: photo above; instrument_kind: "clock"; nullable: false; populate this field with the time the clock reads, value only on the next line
12:33
